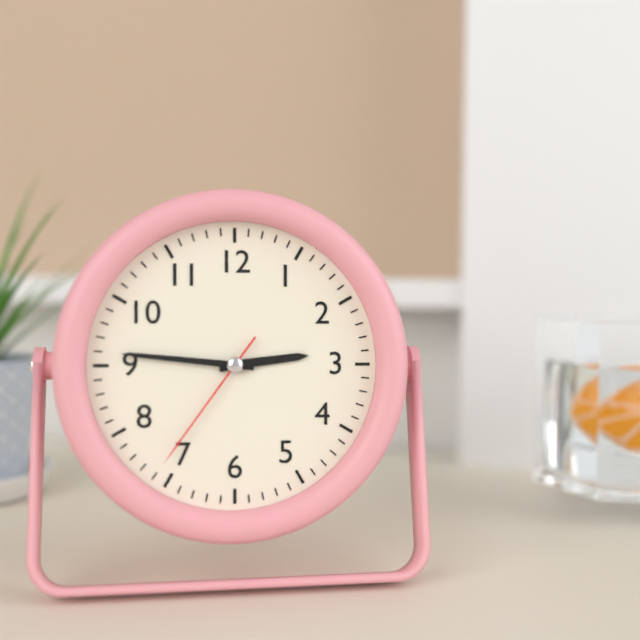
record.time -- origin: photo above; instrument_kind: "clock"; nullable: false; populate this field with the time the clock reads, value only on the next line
2:46:36
